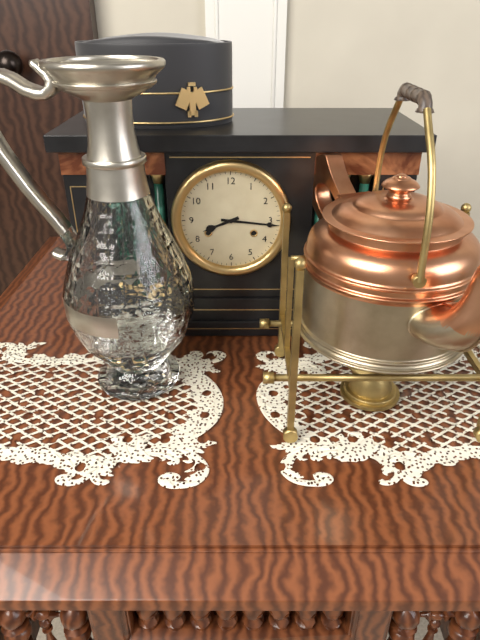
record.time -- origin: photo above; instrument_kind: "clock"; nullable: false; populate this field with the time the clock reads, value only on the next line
8:16
